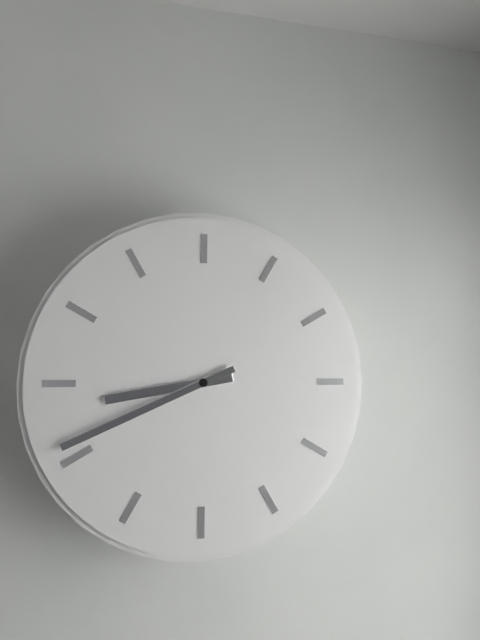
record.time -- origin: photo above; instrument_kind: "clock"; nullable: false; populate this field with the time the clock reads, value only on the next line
8:41
